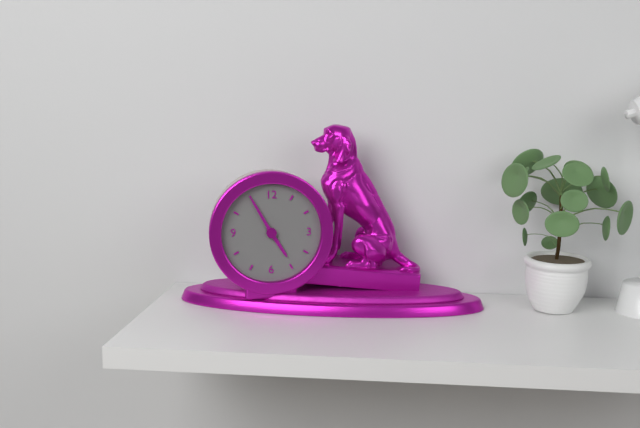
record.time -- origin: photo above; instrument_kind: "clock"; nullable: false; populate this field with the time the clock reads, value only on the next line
4:55
